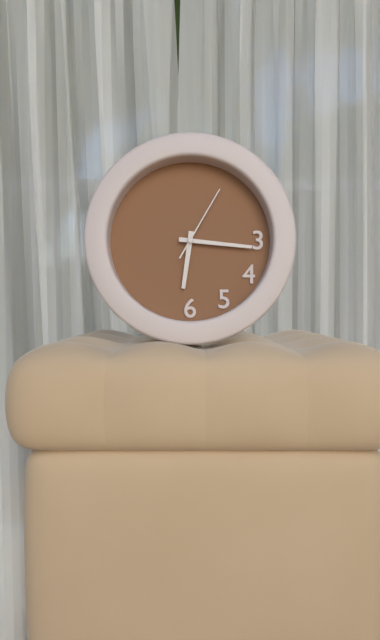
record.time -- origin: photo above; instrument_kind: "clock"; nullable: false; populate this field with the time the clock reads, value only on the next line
6:16:05
